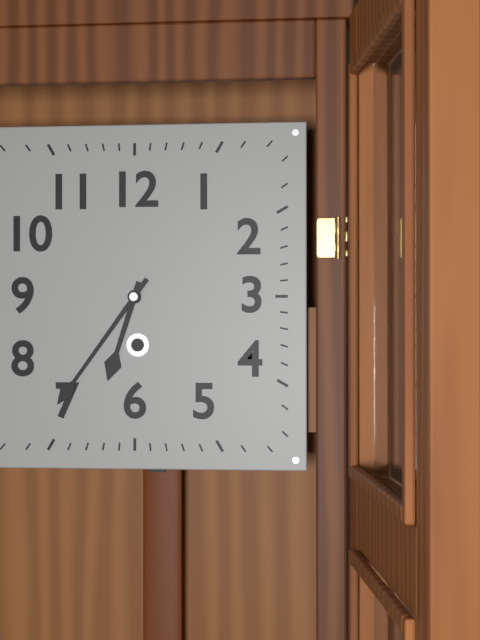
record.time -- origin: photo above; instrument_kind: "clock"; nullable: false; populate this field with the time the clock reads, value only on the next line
6:36
